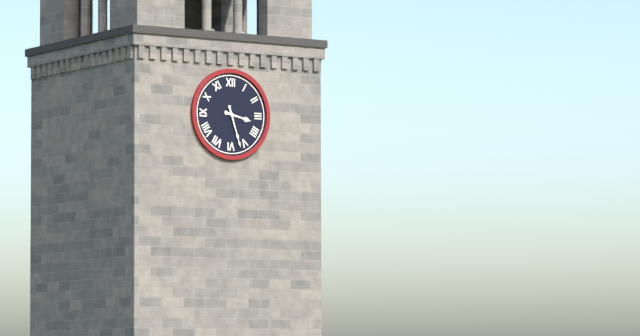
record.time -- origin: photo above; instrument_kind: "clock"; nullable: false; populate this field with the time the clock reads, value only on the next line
3:27
